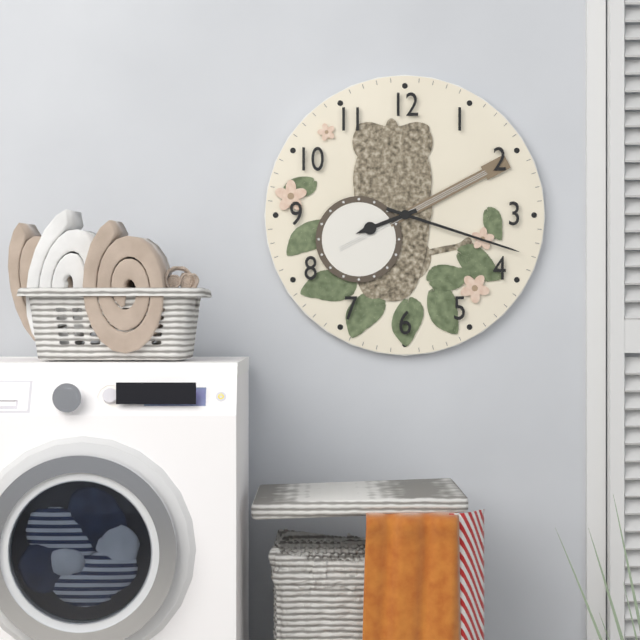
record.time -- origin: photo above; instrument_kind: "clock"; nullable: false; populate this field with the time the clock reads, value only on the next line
8:18
